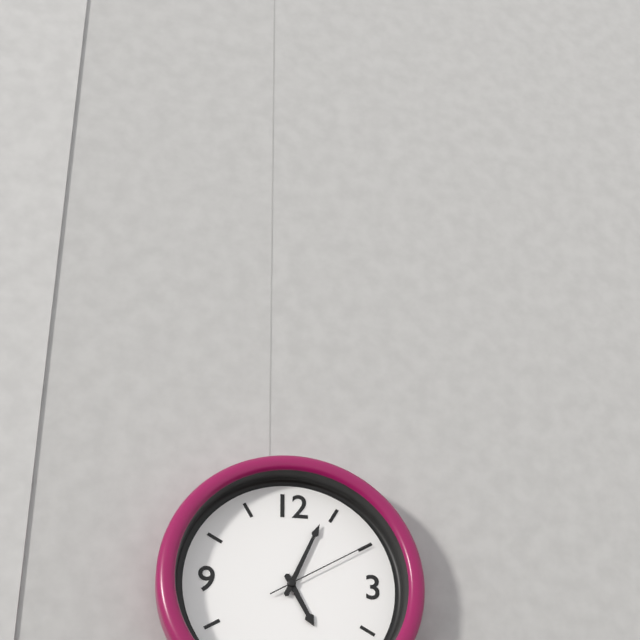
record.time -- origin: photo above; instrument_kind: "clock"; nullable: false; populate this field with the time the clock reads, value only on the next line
5:04:10
